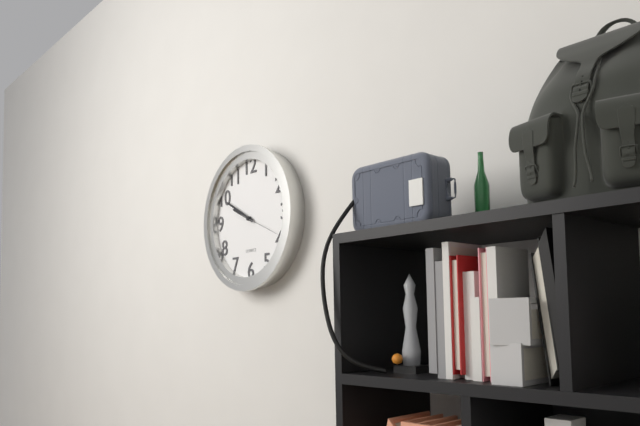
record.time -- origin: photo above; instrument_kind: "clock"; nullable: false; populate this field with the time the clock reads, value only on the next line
9:50
